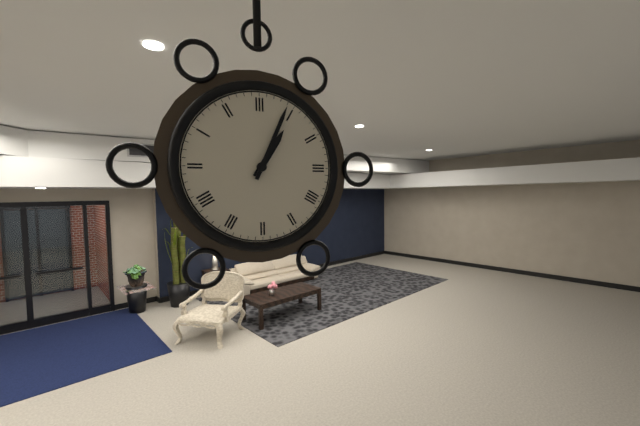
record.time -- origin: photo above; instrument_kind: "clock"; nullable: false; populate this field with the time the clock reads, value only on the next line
1:04
